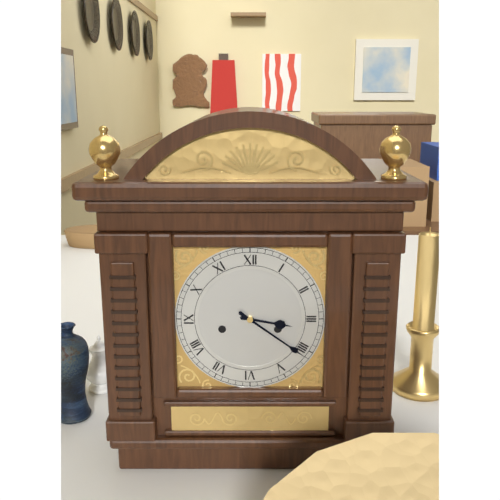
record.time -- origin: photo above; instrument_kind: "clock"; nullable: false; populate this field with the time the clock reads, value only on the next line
3:21
